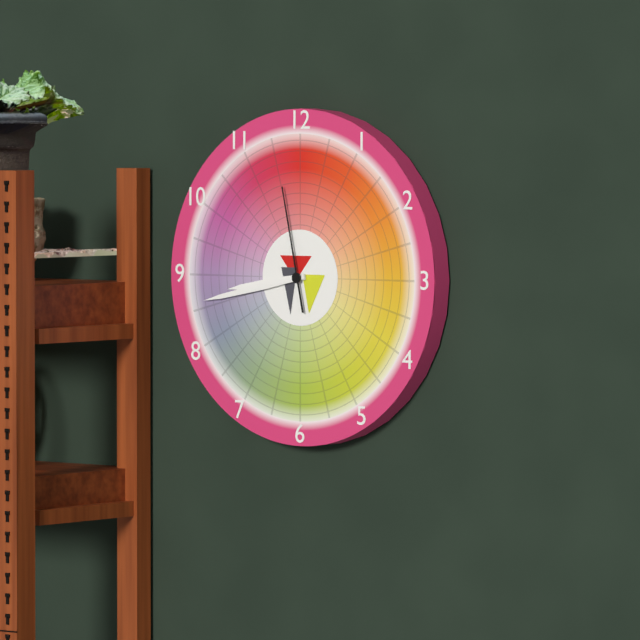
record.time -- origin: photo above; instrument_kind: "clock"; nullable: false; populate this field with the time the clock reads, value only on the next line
8:43:58
